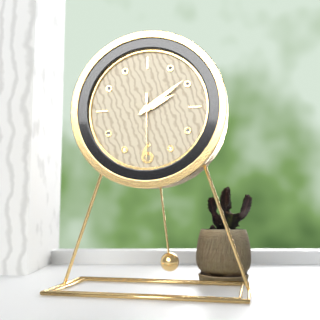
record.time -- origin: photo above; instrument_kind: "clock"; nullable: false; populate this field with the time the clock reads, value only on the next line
2:09:30
